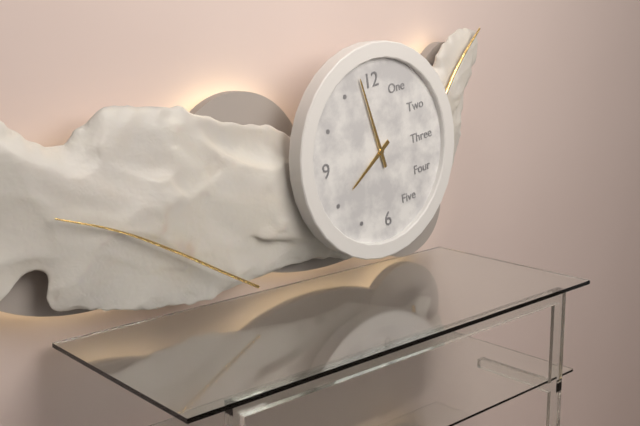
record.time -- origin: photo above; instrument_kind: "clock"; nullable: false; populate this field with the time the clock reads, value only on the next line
7:58
